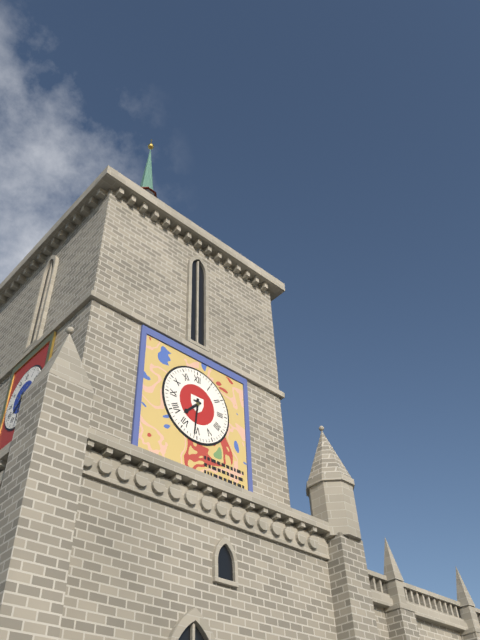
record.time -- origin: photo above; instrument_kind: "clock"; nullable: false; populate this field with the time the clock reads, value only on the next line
7:31
